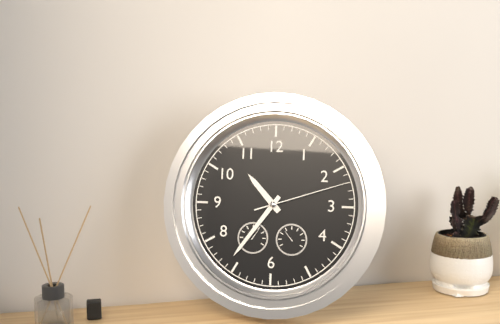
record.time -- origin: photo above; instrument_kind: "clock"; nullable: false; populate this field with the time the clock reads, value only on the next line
10:36:12
